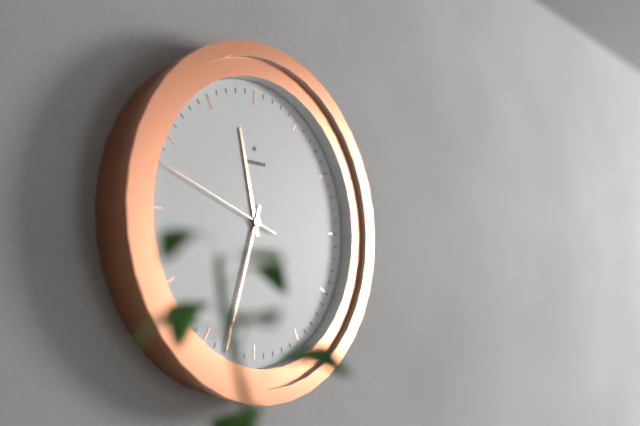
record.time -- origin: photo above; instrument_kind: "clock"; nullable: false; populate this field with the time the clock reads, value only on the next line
11:33:48
